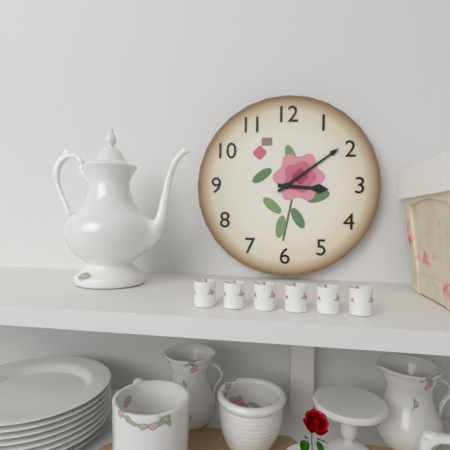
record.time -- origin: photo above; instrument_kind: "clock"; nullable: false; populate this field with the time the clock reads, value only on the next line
3:09
